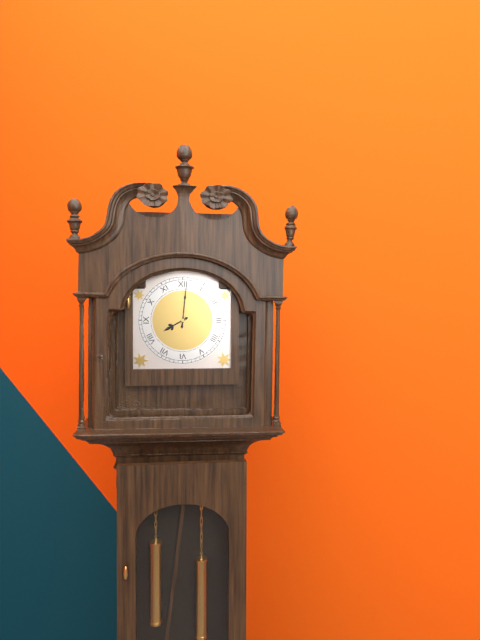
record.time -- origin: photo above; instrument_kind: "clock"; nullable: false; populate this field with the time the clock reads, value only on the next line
8:01
